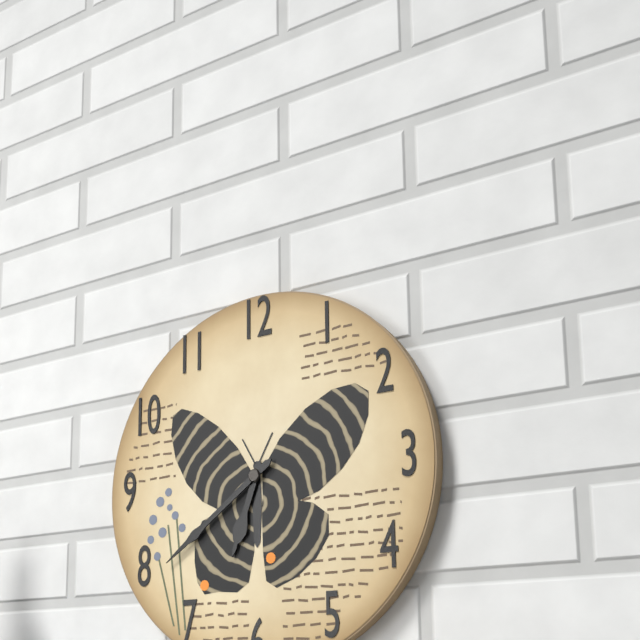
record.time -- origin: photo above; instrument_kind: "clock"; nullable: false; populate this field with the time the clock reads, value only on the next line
6:39
